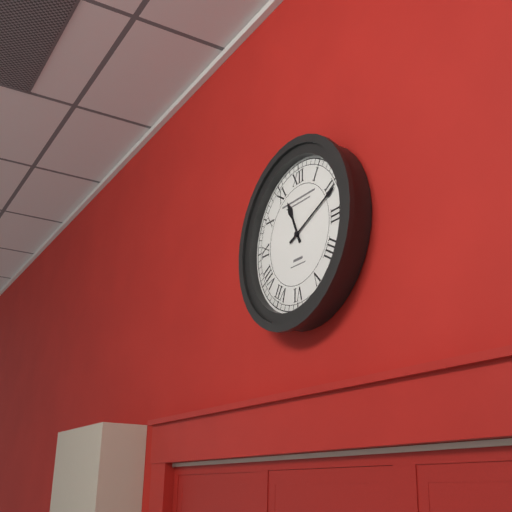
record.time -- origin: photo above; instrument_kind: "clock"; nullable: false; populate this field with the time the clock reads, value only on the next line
11:11
